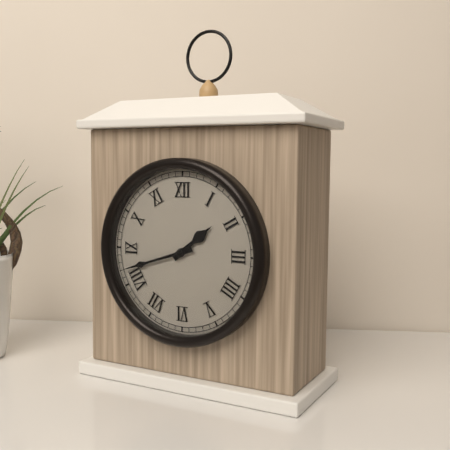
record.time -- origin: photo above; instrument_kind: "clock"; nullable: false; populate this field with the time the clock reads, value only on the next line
1:42
